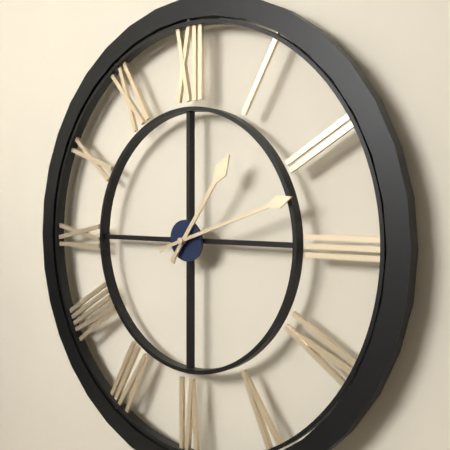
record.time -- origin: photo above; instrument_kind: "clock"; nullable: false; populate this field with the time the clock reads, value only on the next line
1:12
